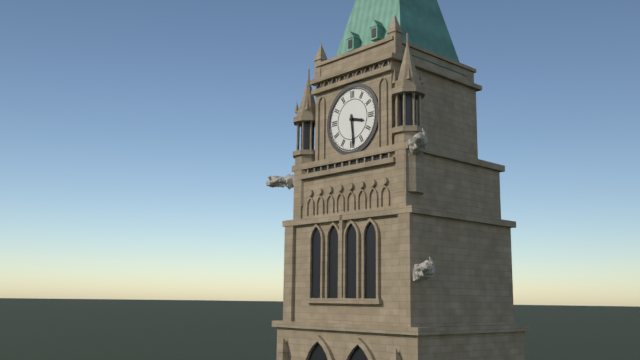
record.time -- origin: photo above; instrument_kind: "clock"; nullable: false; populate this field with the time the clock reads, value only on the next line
3:29
